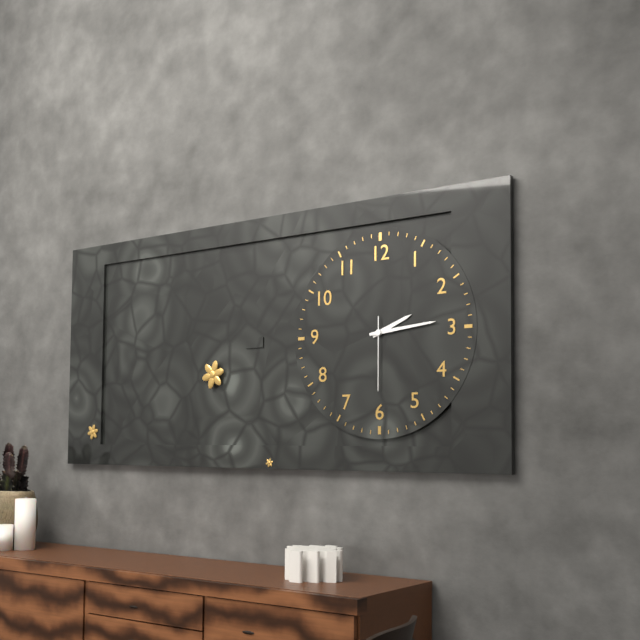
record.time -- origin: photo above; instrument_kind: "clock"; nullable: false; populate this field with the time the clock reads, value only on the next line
2:14:30
